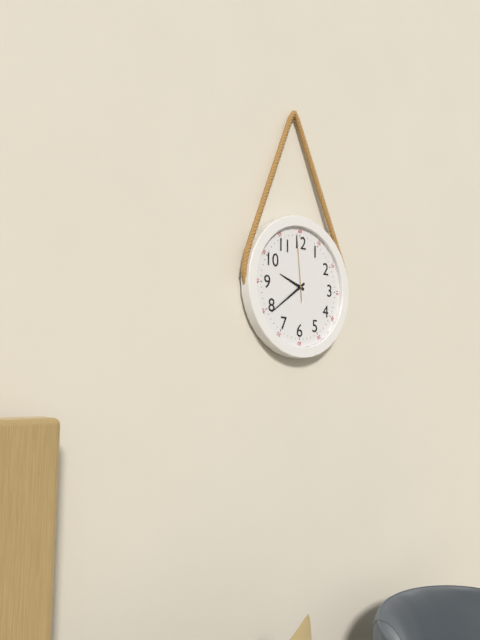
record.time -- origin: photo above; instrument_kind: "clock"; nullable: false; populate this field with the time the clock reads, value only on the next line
9:39:59
